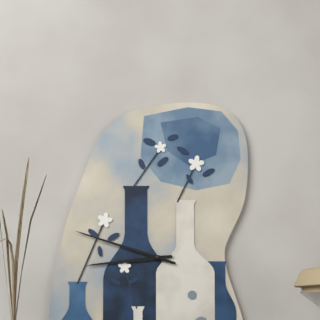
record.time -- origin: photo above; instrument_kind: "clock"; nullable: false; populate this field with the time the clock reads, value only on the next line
8:48
